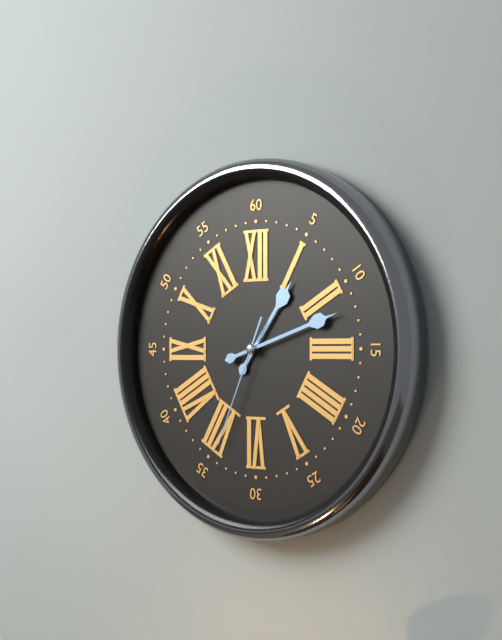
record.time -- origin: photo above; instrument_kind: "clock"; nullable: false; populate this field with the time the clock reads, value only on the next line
1:12:34
